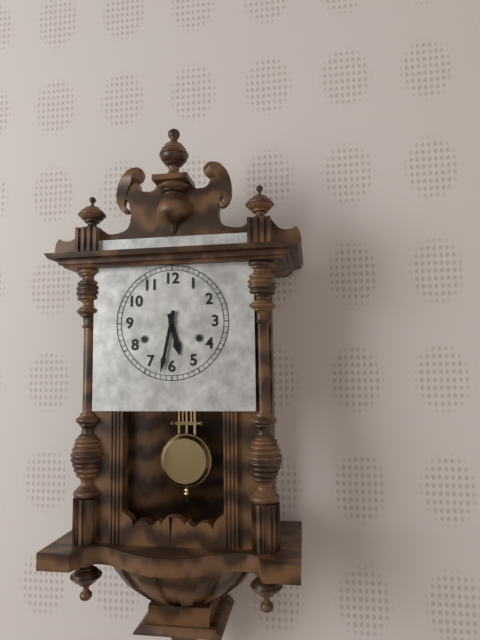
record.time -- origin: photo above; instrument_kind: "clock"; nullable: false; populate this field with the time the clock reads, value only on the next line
5:32
